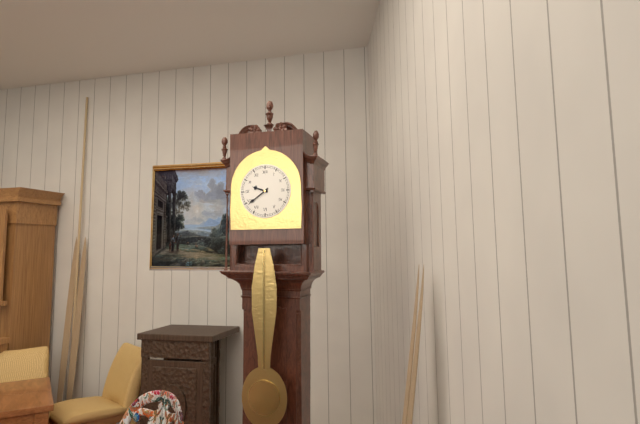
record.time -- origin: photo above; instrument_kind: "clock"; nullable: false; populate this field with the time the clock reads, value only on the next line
9:39
